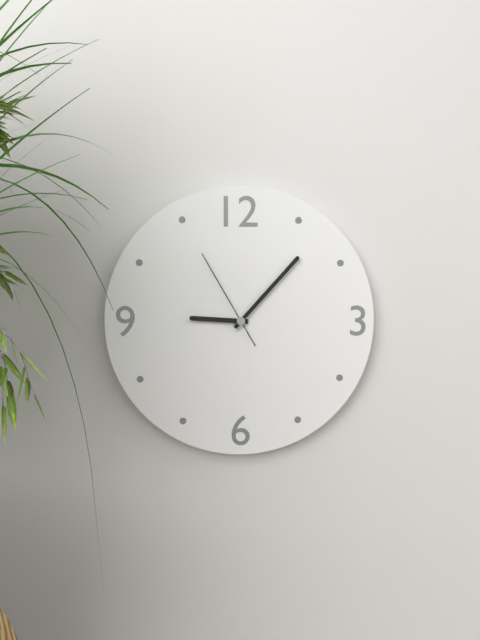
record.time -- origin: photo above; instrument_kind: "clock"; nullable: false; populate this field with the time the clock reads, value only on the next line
9:07:55
